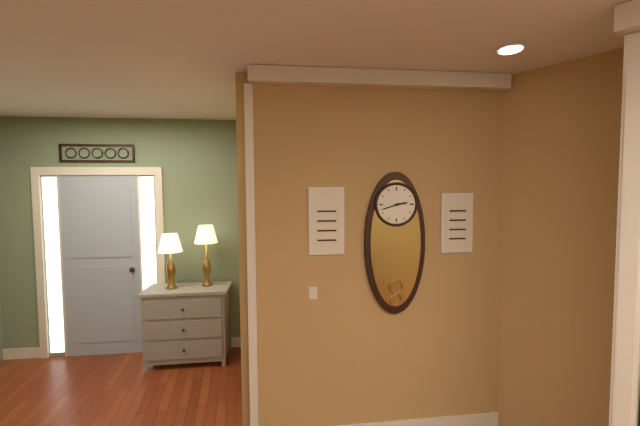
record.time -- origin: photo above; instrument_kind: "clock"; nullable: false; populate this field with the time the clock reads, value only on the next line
2:42
